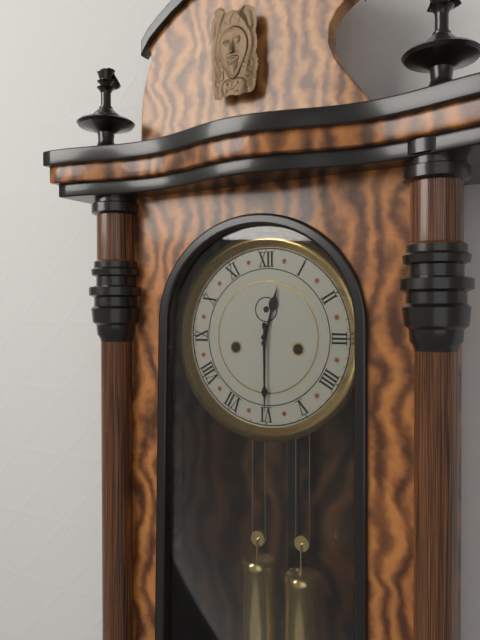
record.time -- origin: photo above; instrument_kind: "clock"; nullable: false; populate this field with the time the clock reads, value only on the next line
12:30
